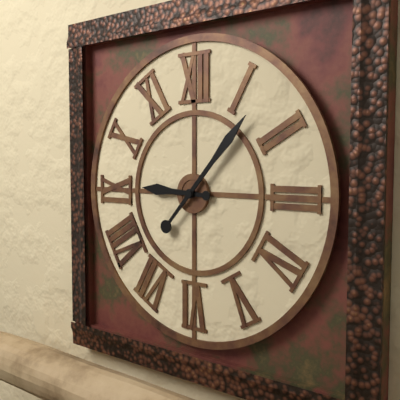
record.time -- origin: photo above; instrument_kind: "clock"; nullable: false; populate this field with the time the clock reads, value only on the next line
9:07
